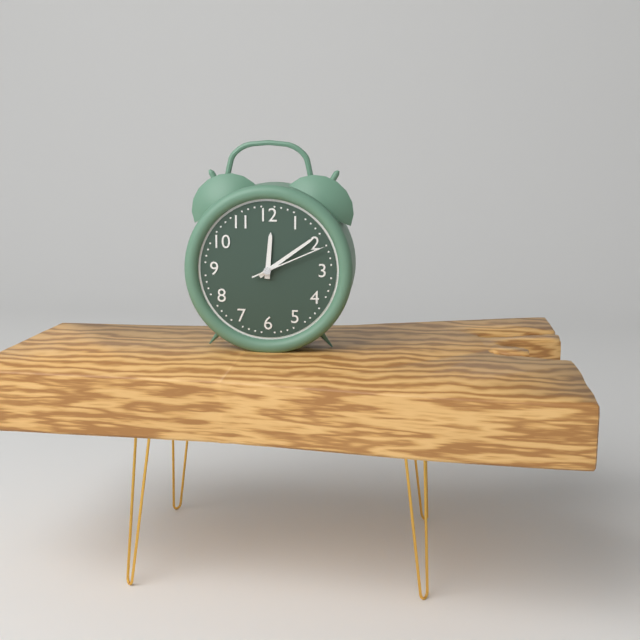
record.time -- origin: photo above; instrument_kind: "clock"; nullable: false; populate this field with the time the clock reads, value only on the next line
12:09:11
